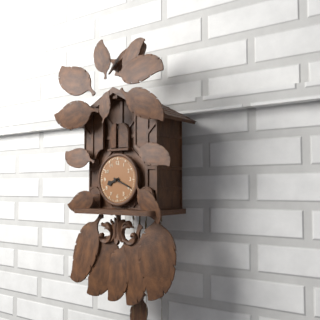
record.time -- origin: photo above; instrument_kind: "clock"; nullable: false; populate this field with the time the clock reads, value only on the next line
8:19
